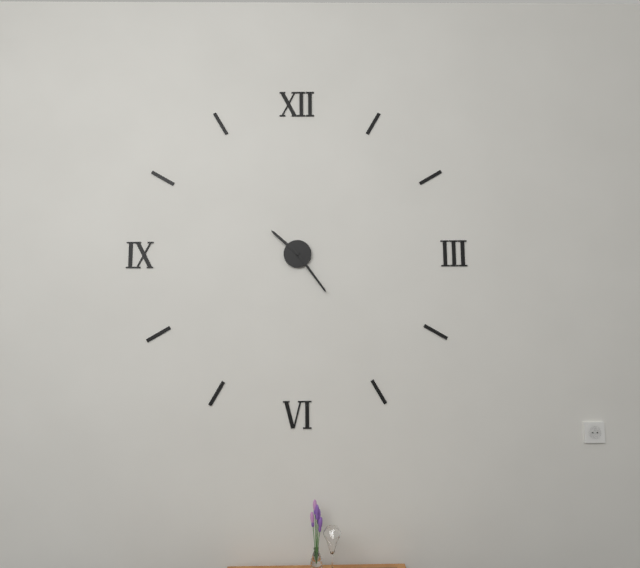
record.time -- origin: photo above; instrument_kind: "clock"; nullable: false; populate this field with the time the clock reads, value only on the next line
10:24
